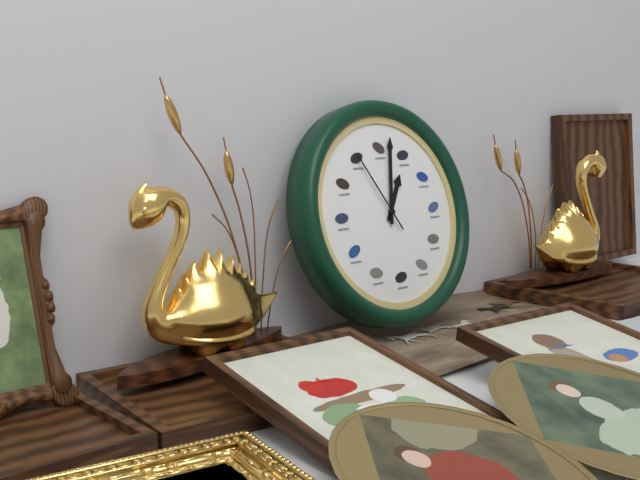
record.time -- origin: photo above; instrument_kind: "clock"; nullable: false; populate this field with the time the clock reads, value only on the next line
1:02:55
